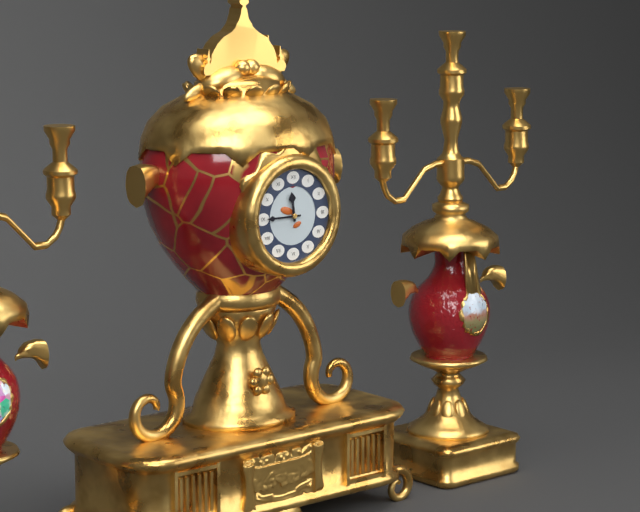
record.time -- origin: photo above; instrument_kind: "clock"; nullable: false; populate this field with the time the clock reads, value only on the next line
11:45
